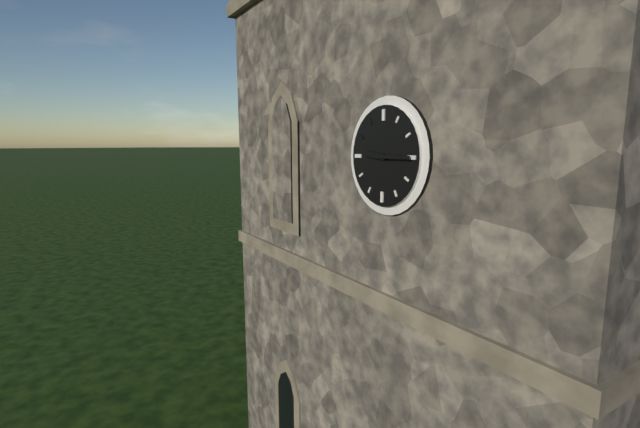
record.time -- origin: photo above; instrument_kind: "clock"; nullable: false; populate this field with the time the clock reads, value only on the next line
9:15
